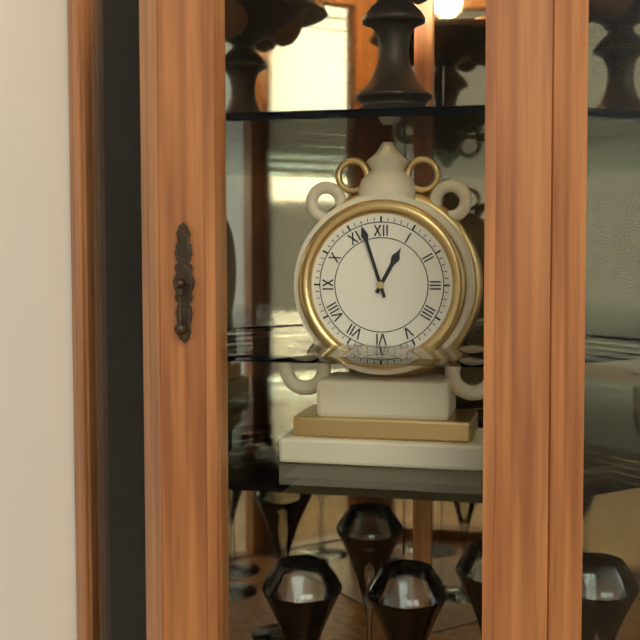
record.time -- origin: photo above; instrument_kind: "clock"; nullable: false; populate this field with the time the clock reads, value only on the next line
12:57
